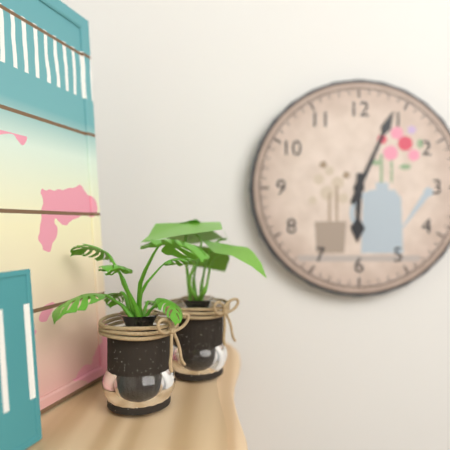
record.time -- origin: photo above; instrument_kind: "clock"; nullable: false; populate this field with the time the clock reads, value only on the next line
6:04
